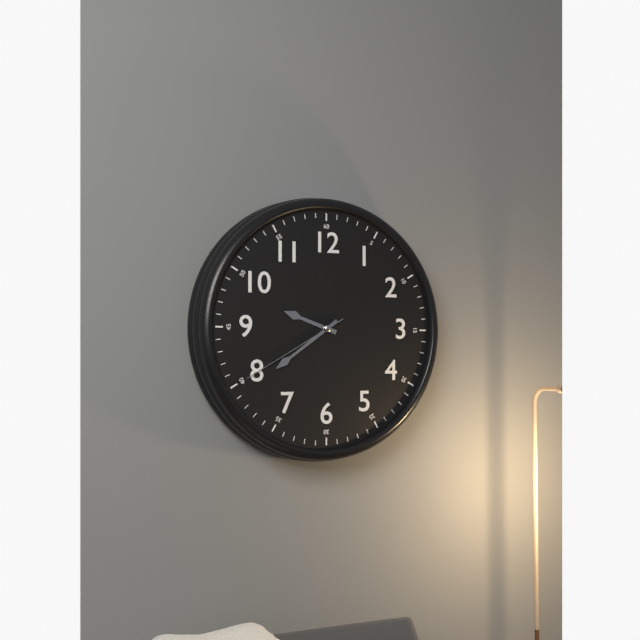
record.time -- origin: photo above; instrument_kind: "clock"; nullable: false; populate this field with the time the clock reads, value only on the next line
9:39:40
